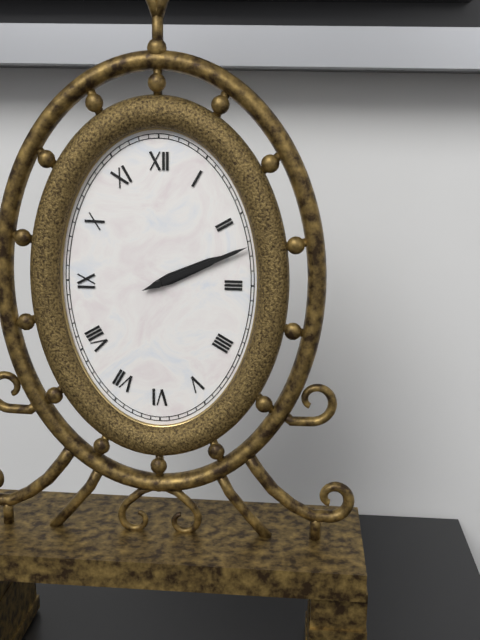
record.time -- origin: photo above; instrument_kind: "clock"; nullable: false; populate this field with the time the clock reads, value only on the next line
2:11
